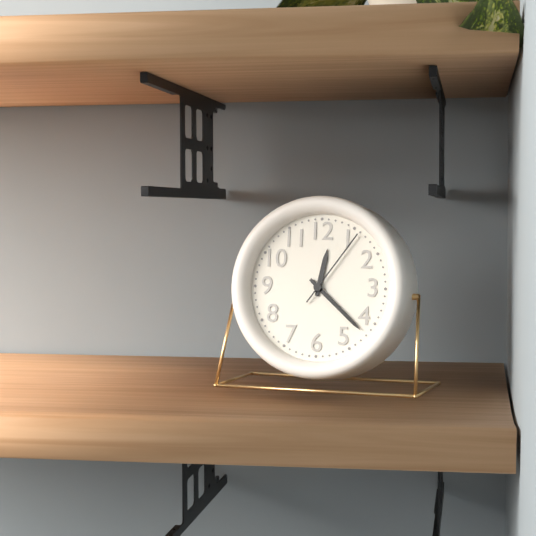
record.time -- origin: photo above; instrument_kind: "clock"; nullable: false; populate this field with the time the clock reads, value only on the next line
12:22:06
